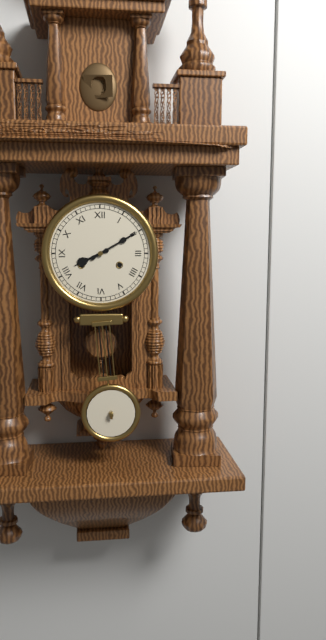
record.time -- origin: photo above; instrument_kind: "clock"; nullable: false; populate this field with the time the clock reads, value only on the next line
8:10
